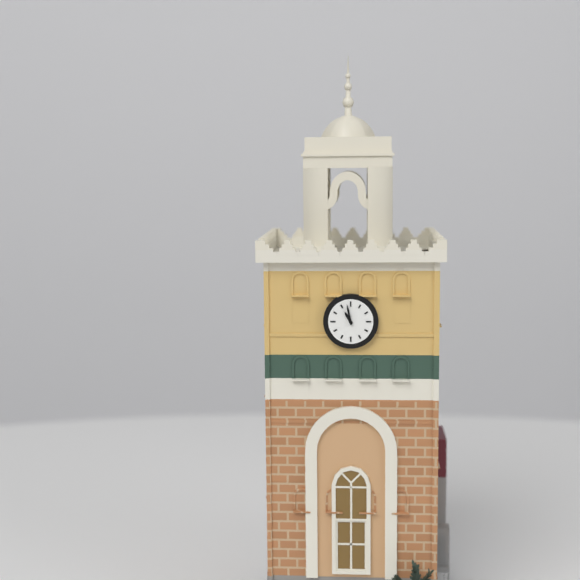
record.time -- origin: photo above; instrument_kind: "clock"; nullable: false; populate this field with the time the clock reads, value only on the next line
10:58
